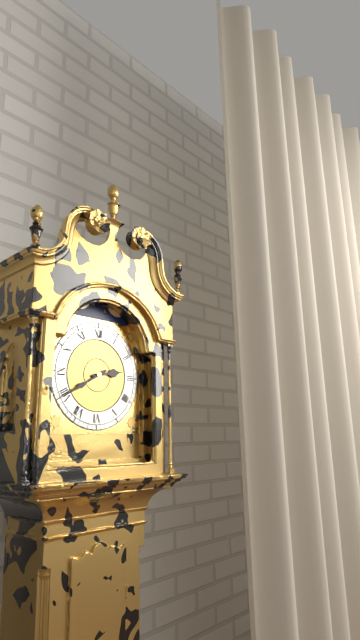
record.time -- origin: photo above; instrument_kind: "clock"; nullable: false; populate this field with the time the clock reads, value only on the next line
2:40
